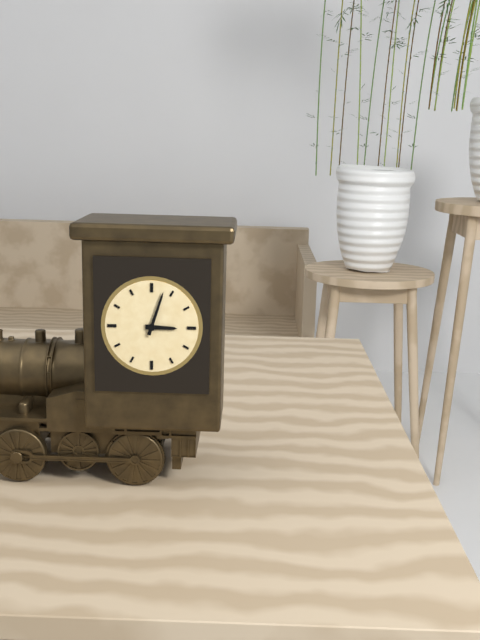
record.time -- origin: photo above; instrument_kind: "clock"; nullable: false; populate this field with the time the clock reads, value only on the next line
3:03
